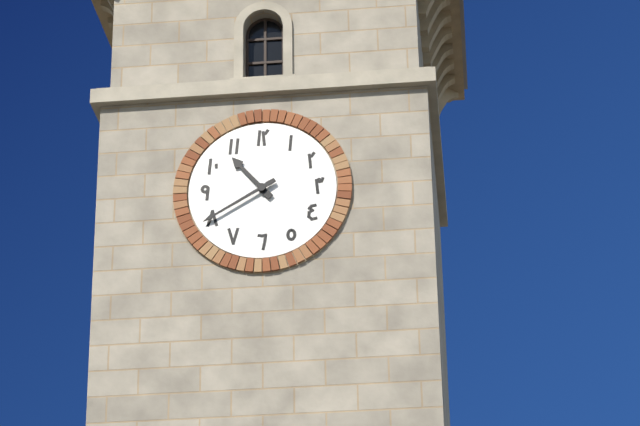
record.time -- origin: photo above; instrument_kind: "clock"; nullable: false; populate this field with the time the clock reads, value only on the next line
10:40
